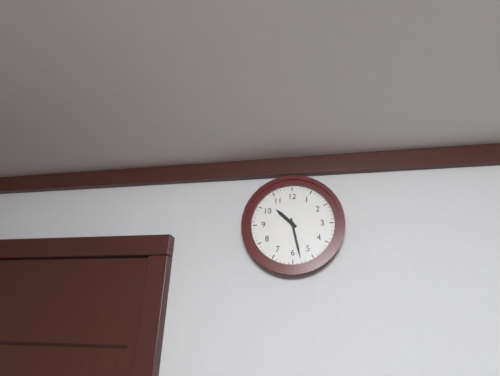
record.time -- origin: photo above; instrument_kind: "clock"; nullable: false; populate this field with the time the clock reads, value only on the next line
10:28
